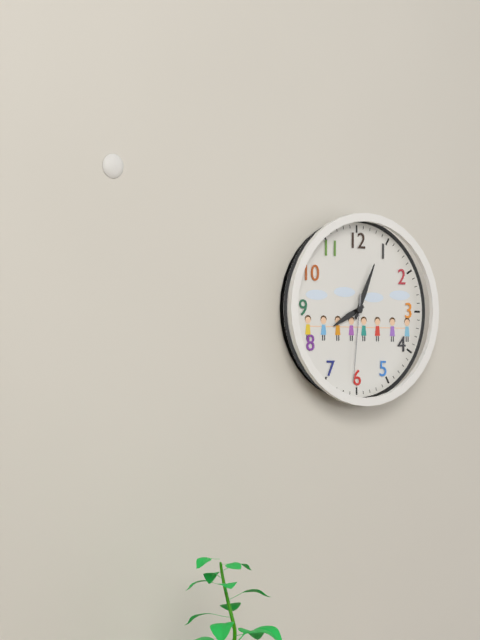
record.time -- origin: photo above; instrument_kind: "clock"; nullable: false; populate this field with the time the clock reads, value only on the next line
8:04:31
